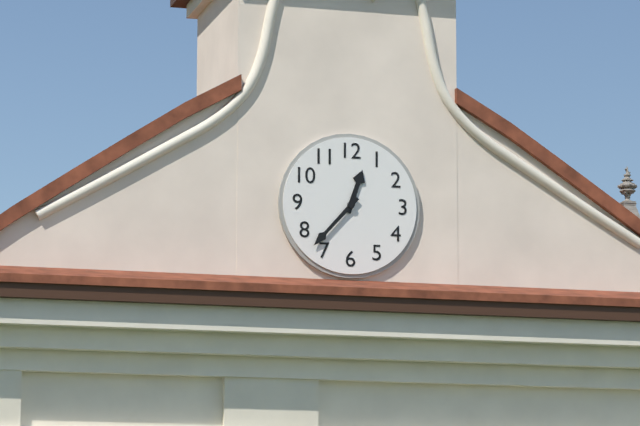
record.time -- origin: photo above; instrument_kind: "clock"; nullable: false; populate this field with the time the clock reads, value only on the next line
12:37
